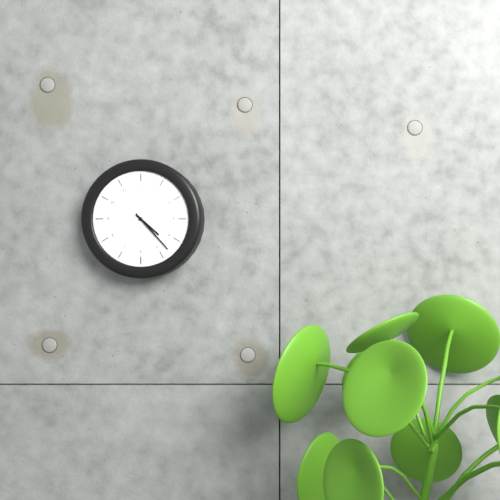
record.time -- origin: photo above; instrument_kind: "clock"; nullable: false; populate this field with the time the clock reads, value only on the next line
4:23
